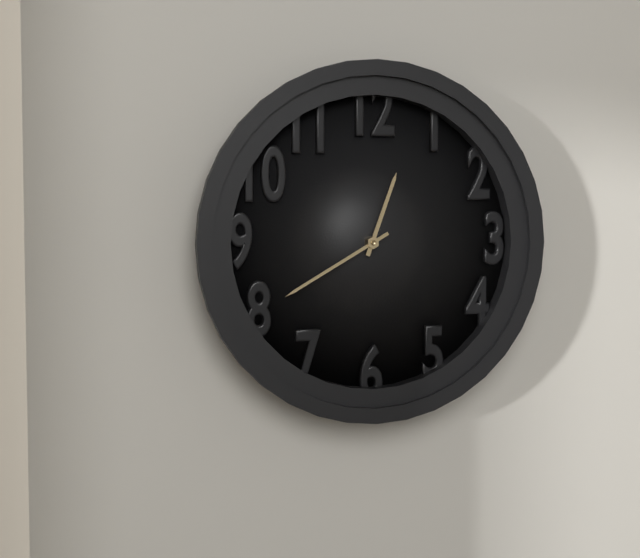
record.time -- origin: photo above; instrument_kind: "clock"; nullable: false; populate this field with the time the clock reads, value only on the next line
12:40
